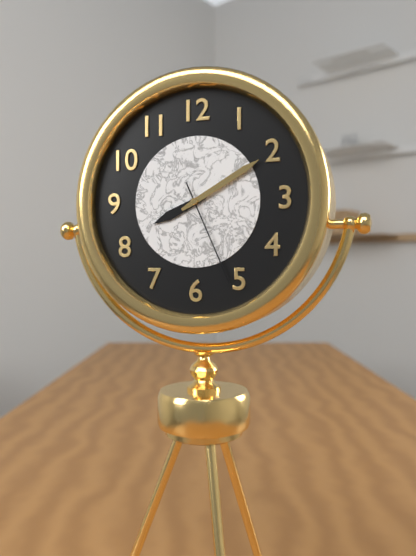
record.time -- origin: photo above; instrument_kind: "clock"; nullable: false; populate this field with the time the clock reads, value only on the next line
8:10:26
